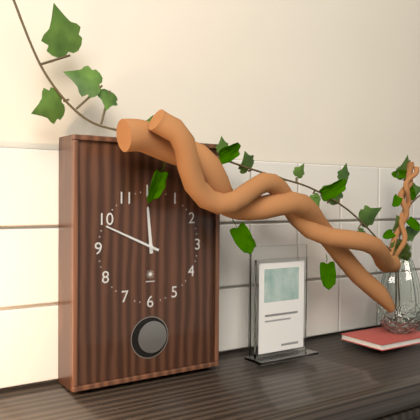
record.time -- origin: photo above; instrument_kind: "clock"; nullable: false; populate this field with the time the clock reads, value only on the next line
11:49
